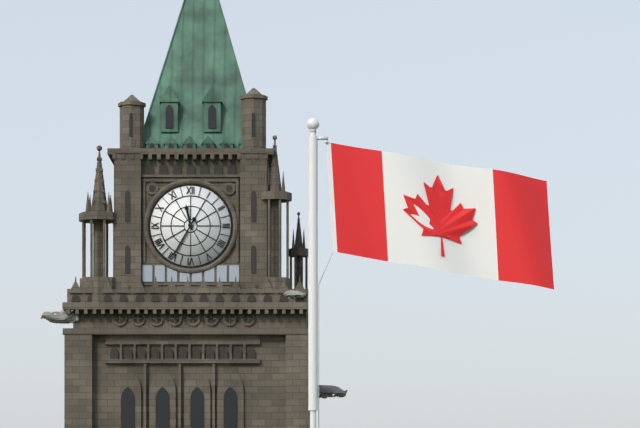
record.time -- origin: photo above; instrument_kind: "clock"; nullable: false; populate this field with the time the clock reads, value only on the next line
11:35
